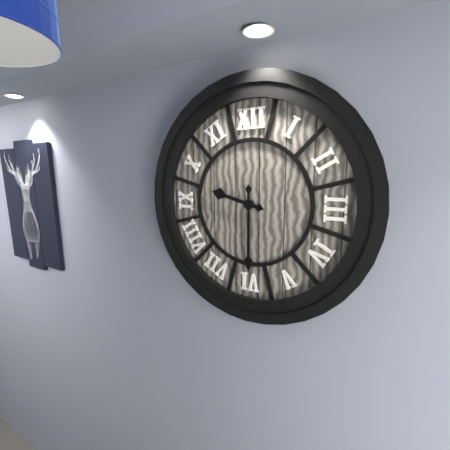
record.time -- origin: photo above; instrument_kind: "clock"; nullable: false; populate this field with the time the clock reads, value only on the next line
9:30
